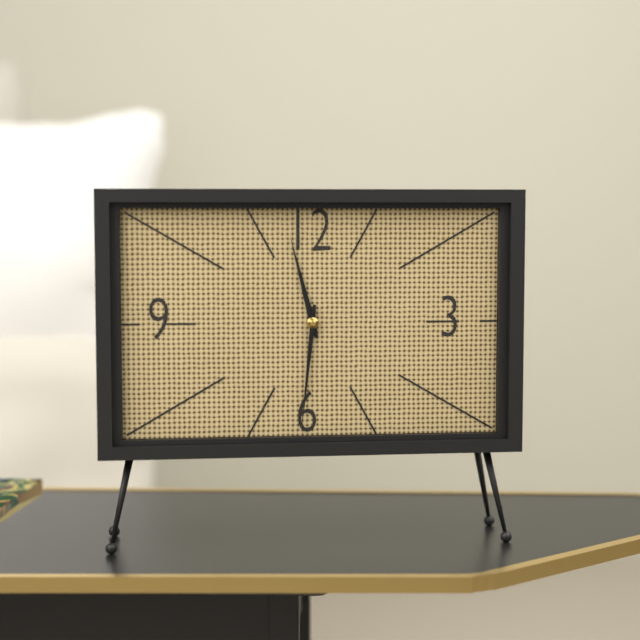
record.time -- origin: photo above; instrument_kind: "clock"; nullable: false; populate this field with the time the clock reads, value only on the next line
11:31
